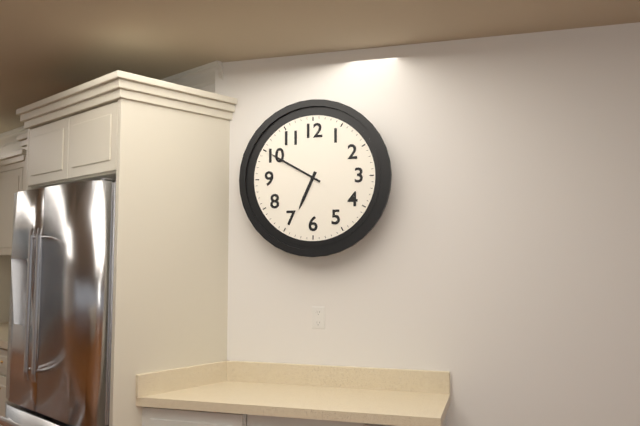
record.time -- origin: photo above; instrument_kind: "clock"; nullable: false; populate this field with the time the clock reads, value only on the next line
6:50
